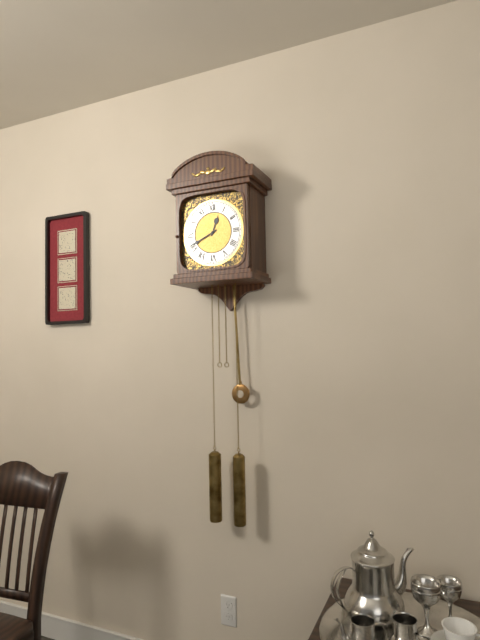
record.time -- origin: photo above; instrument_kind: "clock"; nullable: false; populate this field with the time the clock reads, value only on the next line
12:41
